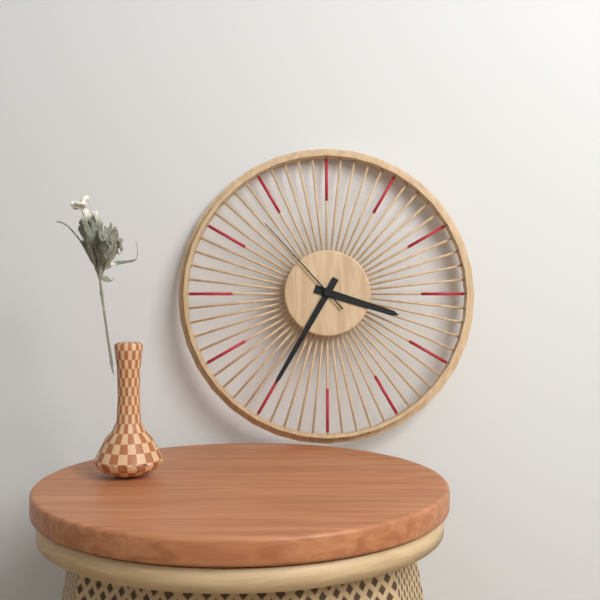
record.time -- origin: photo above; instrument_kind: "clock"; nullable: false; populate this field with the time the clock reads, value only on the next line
3:35:53
